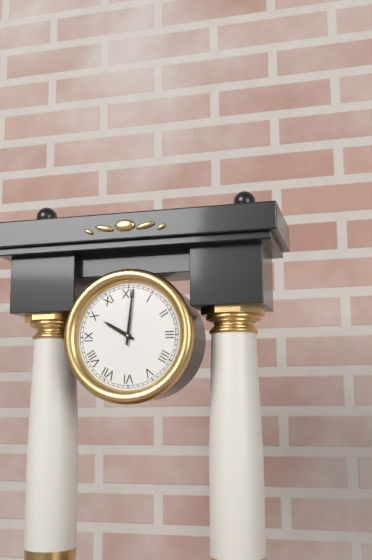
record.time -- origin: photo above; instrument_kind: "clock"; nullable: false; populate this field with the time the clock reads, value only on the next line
10:01
